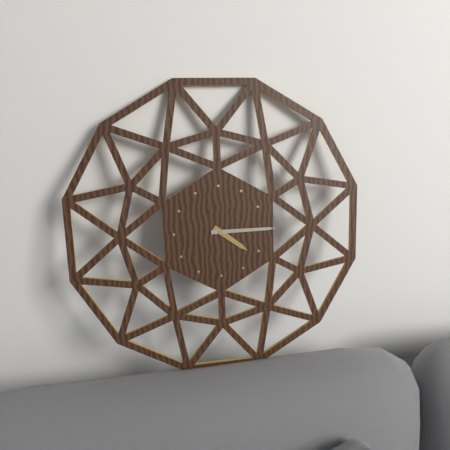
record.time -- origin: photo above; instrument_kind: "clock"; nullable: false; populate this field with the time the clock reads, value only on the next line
4:15
